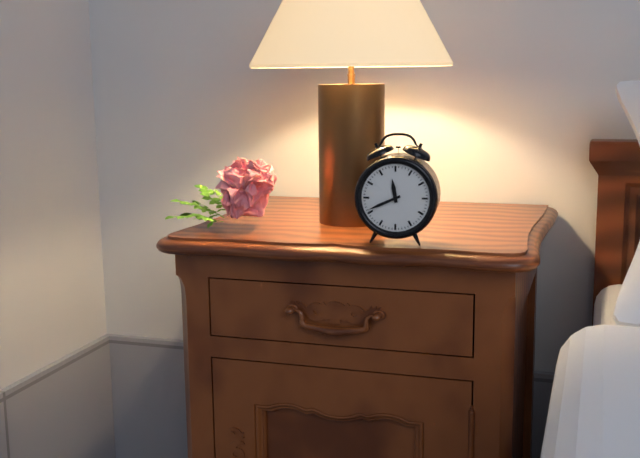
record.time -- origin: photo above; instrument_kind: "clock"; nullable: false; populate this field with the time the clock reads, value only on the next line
11:41
